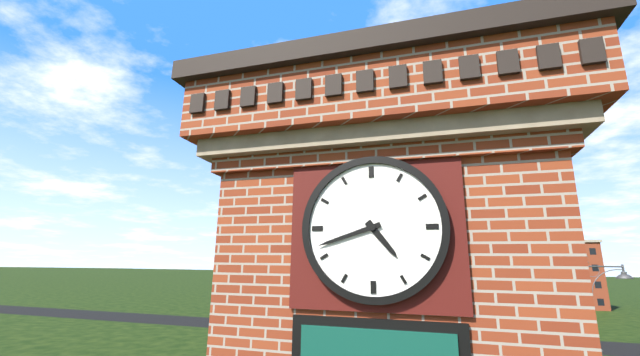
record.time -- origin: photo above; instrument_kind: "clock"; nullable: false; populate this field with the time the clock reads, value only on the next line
4:42
